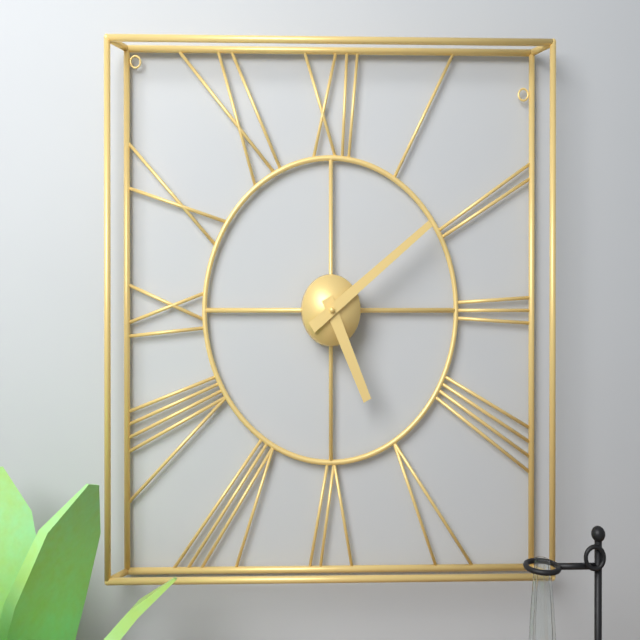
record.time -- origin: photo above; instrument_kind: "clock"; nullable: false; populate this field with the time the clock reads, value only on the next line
5:09
